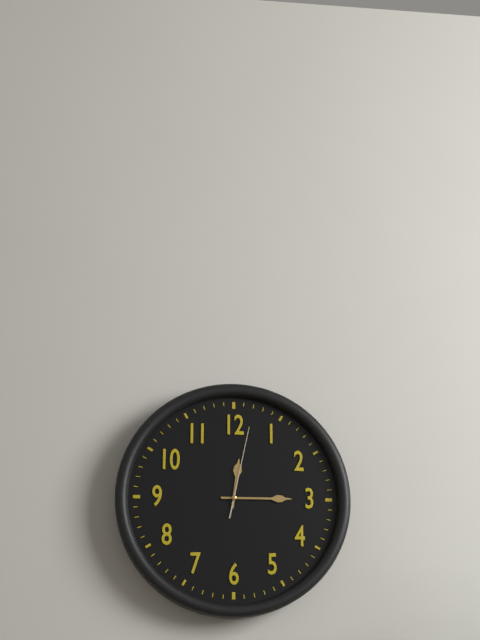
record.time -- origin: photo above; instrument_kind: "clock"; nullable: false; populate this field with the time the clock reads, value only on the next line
12:15:02
